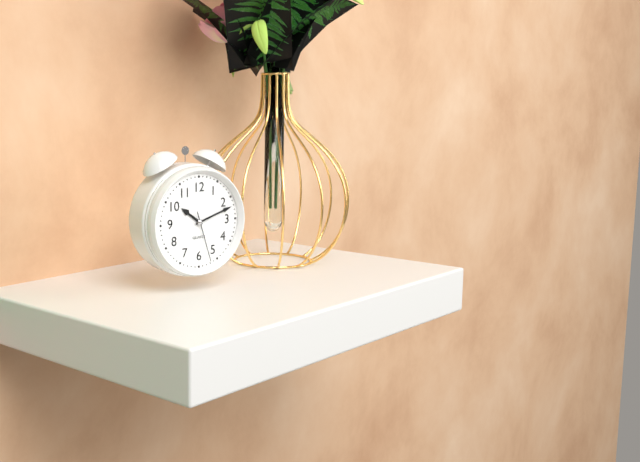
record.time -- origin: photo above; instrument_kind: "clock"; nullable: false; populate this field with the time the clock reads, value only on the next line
10:12:27
